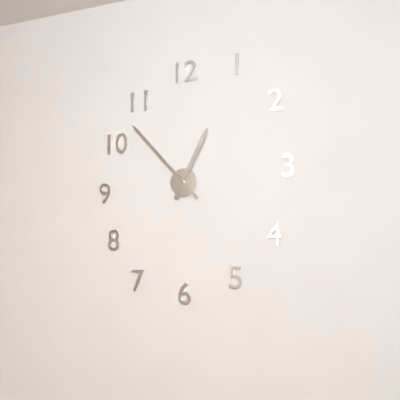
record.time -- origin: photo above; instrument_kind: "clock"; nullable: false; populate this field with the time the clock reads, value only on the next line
12:53
